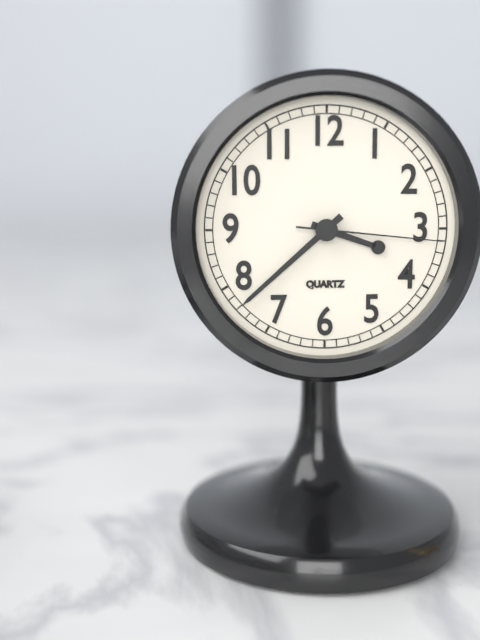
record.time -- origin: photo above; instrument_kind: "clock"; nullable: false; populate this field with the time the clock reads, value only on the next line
3:38:16
